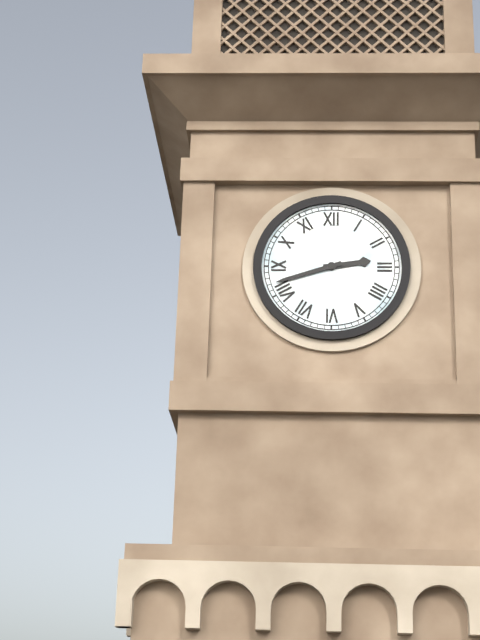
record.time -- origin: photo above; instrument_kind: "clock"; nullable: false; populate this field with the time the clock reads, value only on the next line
2:42
